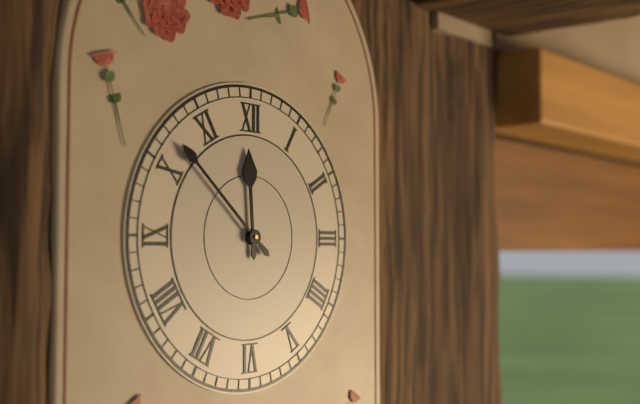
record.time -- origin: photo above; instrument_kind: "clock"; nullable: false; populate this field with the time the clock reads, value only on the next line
11:52
